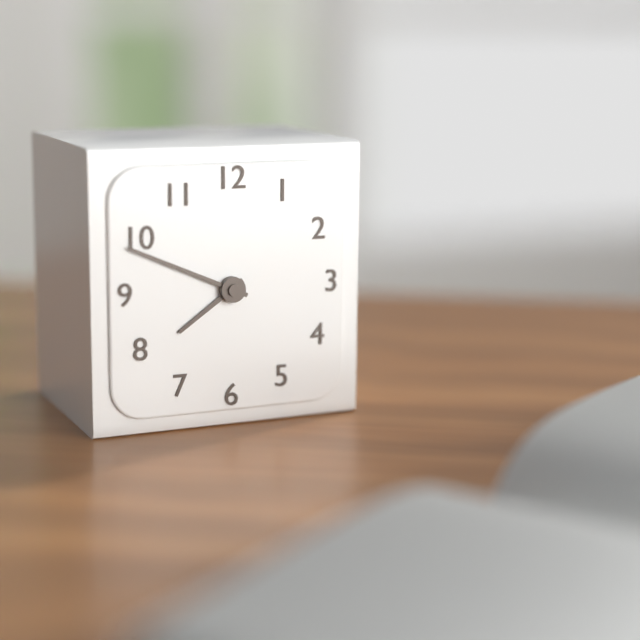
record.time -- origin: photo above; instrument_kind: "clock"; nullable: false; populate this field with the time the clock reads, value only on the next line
7:49
